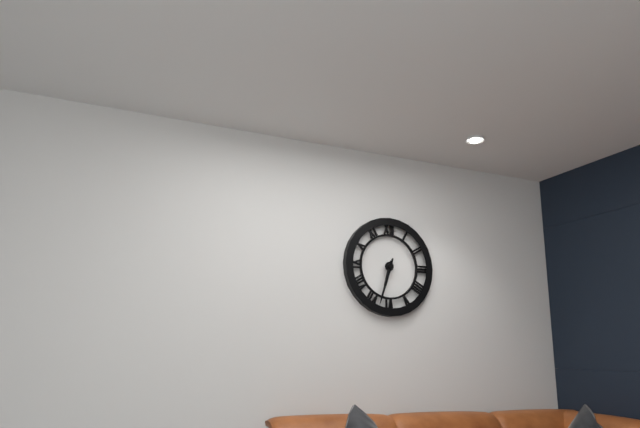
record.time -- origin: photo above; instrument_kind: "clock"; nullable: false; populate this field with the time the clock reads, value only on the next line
6:33
